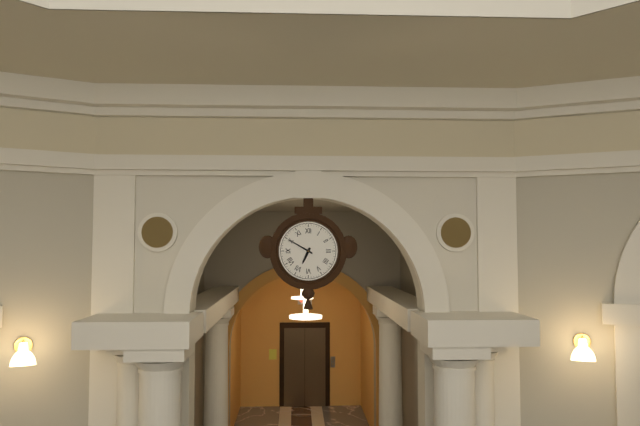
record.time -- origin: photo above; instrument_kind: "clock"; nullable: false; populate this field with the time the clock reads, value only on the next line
6:50
